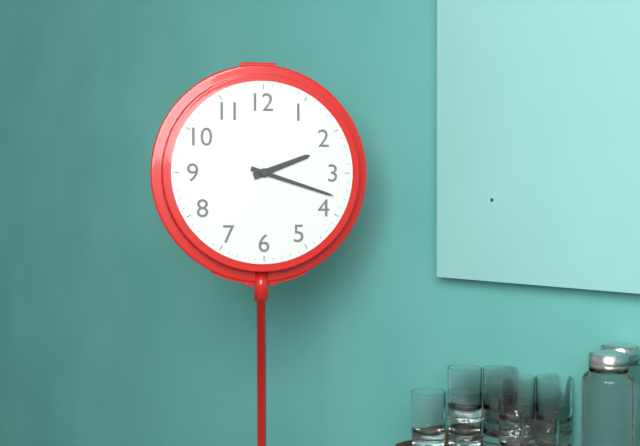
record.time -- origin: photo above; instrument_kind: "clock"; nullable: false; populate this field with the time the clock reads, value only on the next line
2:18
